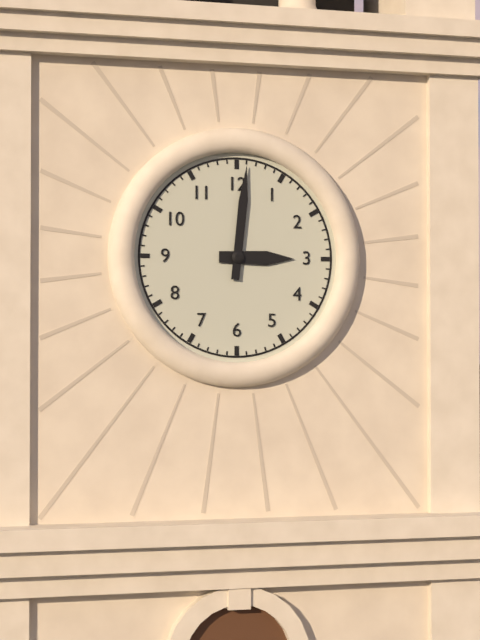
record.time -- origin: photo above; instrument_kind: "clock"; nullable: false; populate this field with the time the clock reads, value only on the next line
3:01
